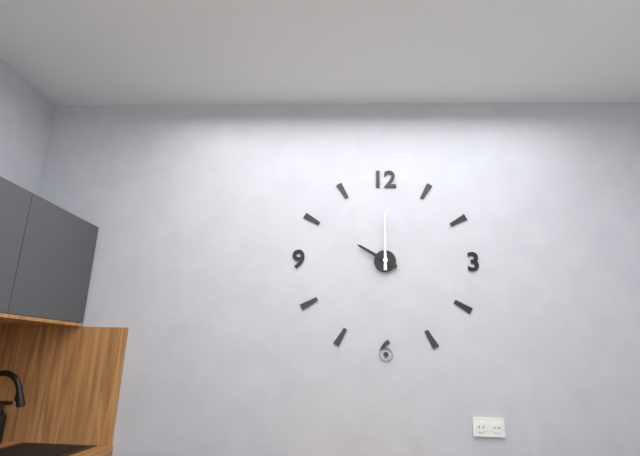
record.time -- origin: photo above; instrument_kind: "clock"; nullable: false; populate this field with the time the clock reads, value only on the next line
10:00
